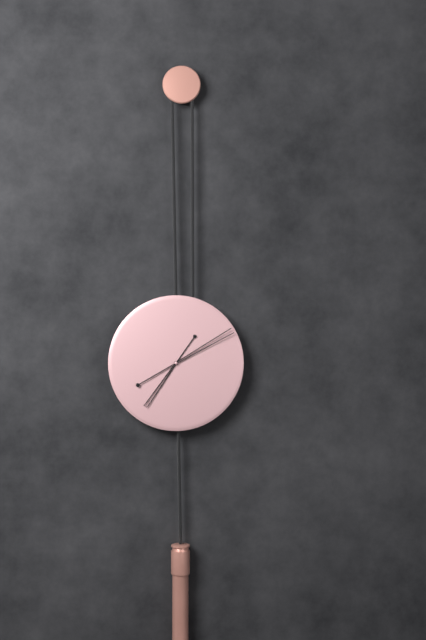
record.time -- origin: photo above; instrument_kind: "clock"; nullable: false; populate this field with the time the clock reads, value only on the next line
7:10
